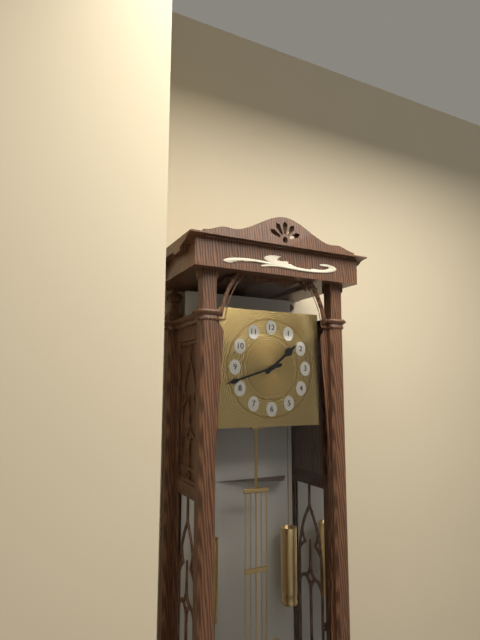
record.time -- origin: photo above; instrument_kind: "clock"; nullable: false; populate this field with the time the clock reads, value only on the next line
1:42
